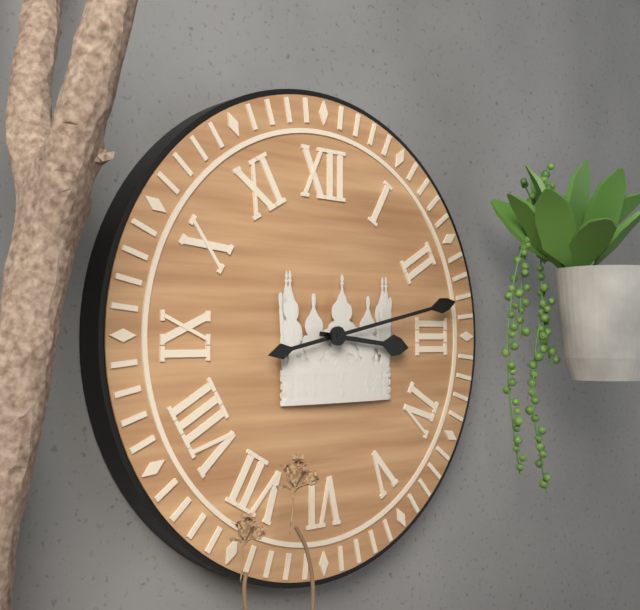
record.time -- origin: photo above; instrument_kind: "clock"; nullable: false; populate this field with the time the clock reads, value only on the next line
3:13
